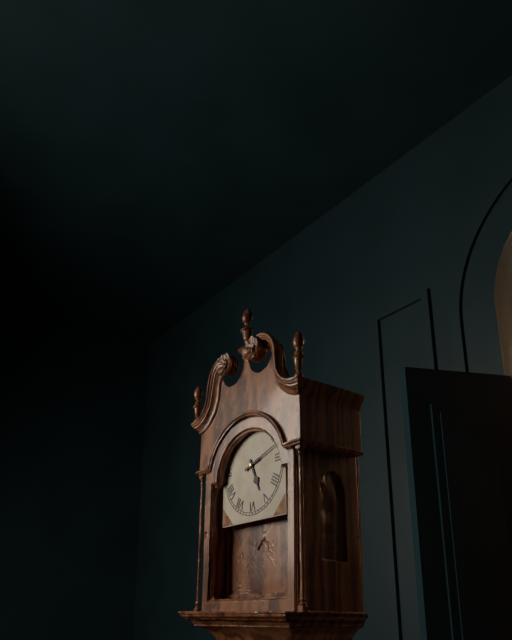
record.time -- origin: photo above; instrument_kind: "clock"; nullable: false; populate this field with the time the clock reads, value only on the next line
5:12
